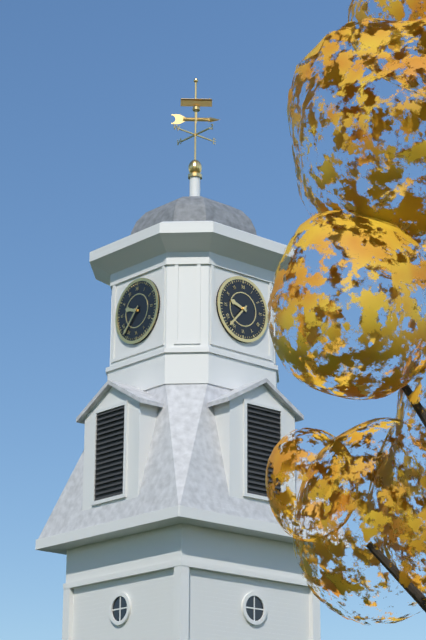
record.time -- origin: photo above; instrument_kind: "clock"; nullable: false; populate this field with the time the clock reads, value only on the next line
9:37
